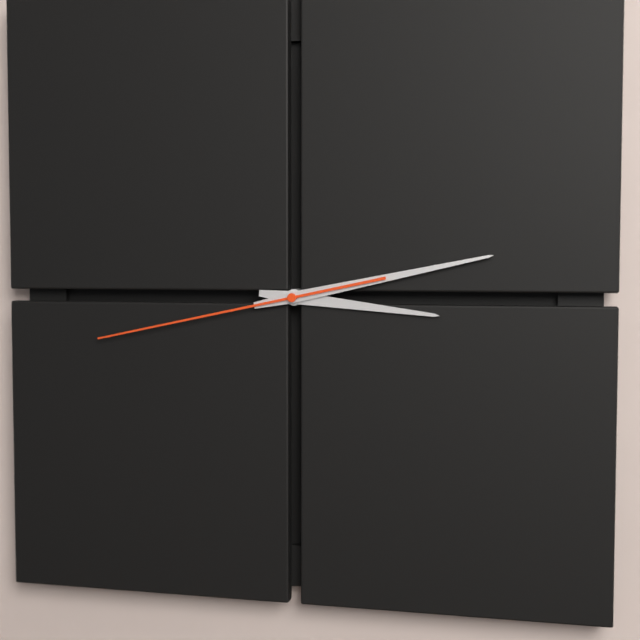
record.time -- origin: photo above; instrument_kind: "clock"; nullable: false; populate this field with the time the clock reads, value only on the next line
3:13:43
